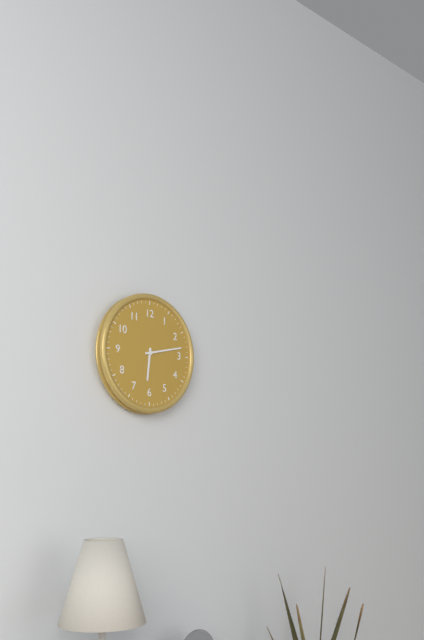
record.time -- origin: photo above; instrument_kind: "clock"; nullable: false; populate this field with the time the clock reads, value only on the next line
6:13
